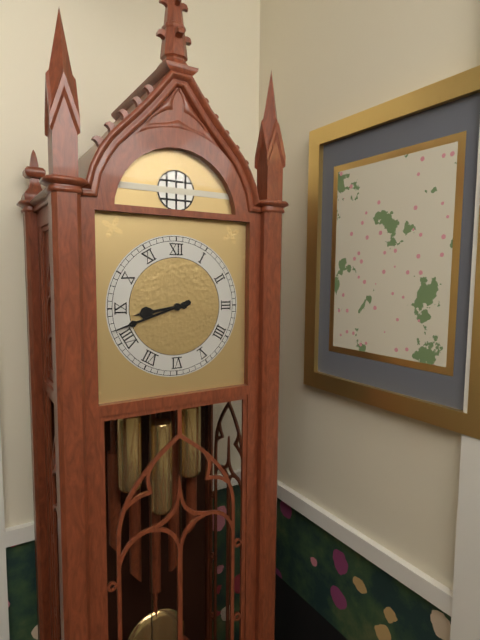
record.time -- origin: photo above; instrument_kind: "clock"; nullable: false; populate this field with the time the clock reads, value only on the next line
8:42
